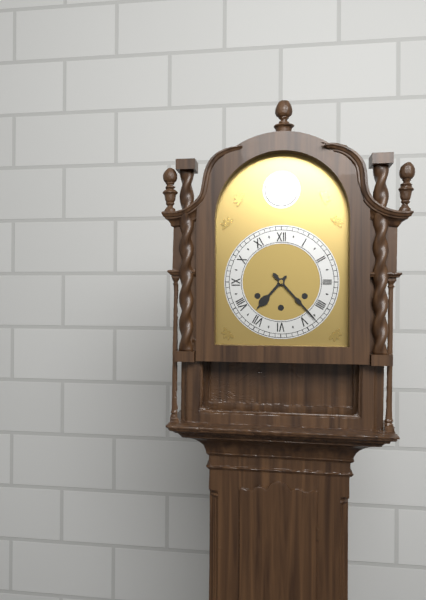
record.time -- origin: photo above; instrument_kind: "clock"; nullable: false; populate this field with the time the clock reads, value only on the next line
7:23
